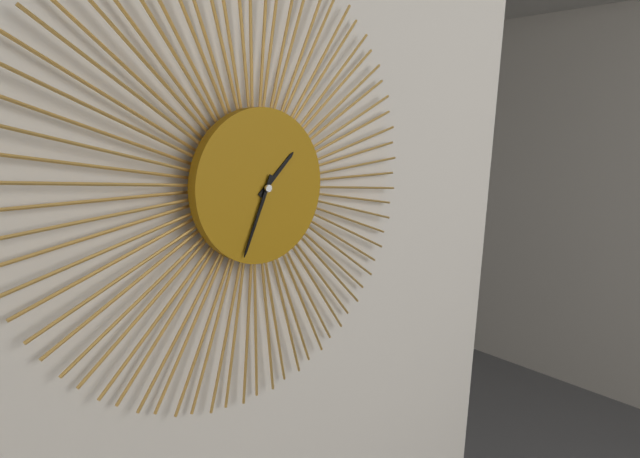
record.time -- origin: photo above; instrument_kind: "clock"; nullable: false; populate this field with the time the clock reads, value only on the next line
1:34
